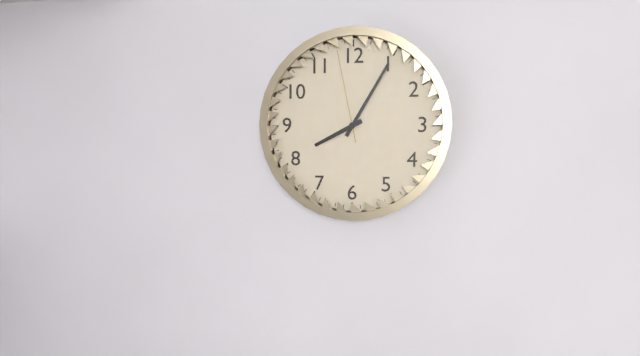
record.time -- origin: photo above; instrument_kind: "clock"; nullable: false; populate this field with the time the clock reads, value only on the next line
8:05:58
